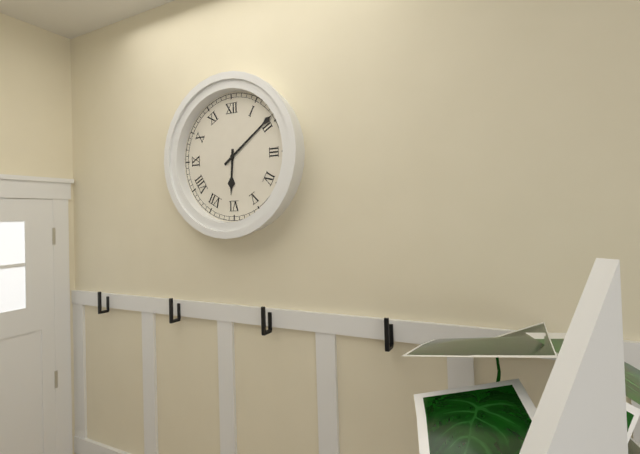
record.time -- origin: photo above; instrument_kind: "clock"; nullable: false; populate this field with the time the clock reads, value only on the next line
6:09
